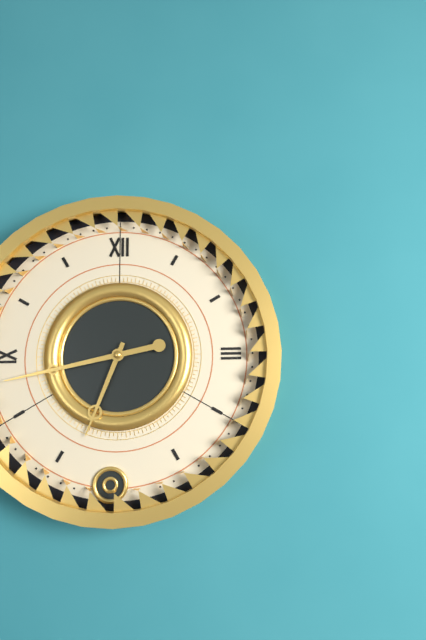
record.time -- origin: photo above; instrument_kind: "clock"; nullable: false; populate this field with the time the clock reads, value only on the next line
6:43
